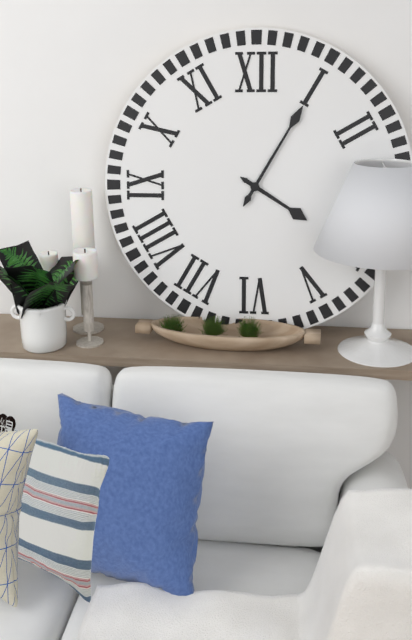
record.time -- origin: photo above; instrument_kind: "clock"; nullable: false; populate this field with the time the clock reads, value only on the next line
4:05
